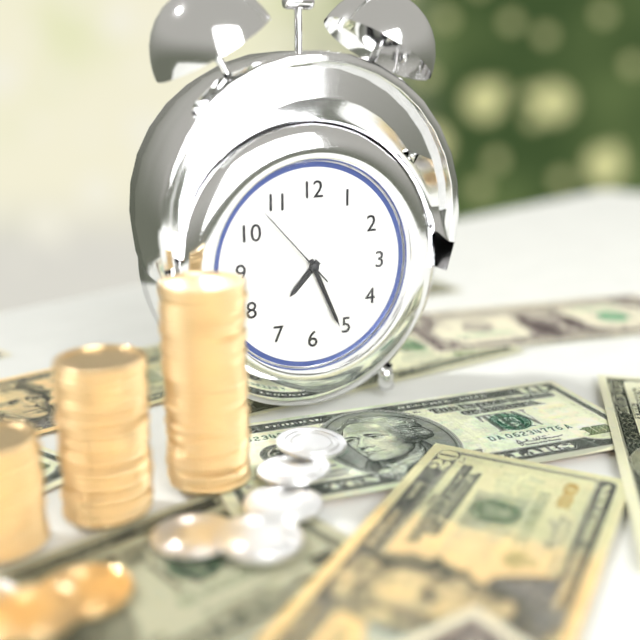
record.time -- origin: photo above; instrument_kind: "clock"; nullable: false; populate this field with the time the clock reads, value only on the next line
7:26:53
